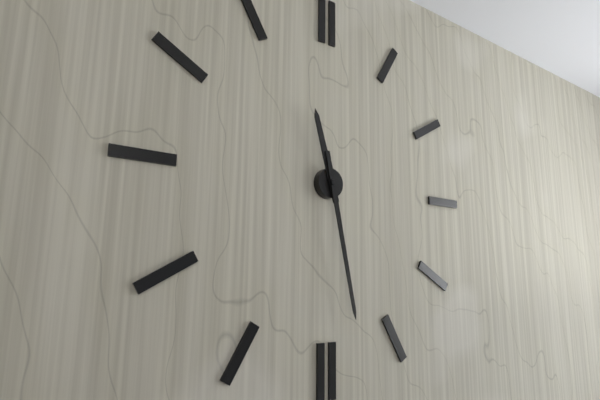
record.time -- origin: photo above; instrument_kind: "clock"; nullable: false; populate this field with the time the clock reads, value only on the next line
11:28
